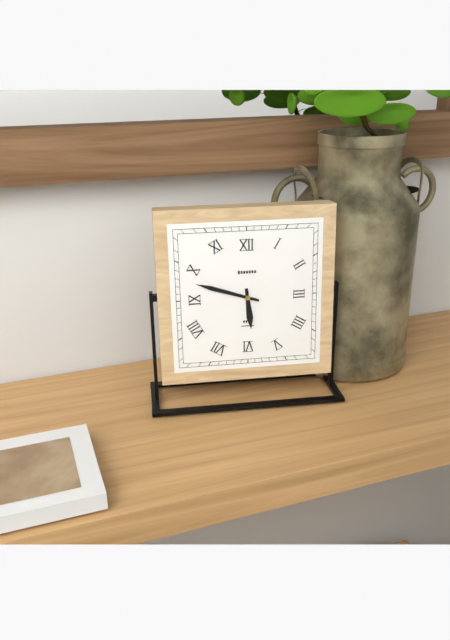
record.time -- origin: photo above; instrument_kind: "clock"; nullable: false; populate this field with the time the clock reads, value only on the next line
5:48
